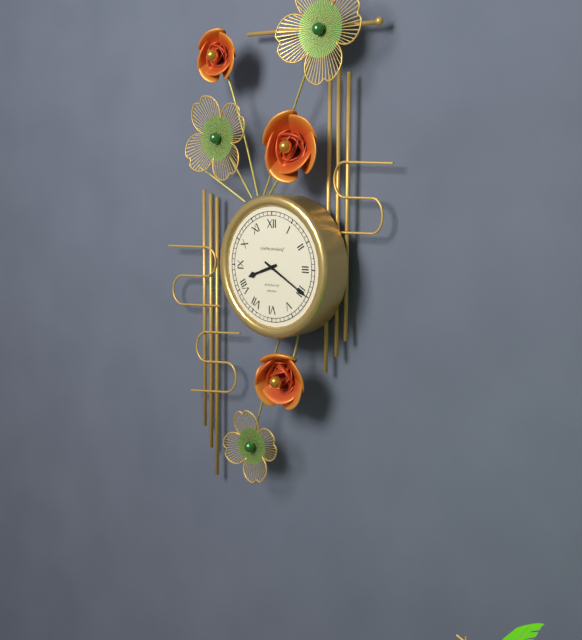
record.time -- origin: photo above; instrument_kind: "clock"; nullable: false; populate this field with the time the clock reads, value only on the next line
8:20
